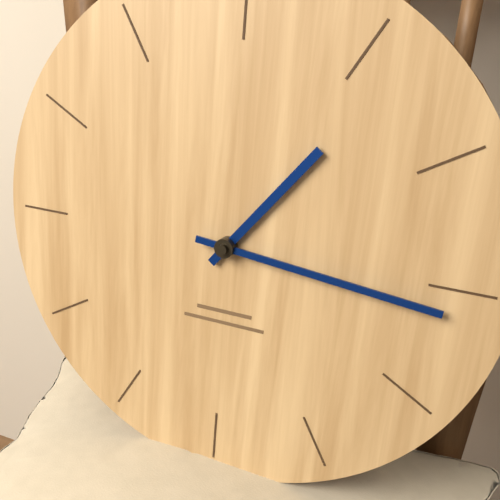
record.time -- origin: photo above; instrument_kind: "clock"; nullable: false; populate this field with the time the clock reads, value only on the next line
1:16
